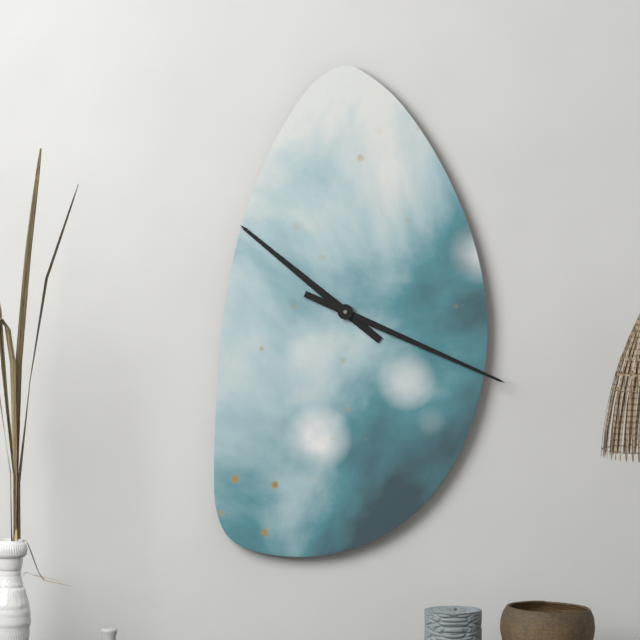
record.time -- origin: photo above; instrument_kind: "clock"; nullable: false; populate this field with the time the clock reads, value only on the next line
10:19
